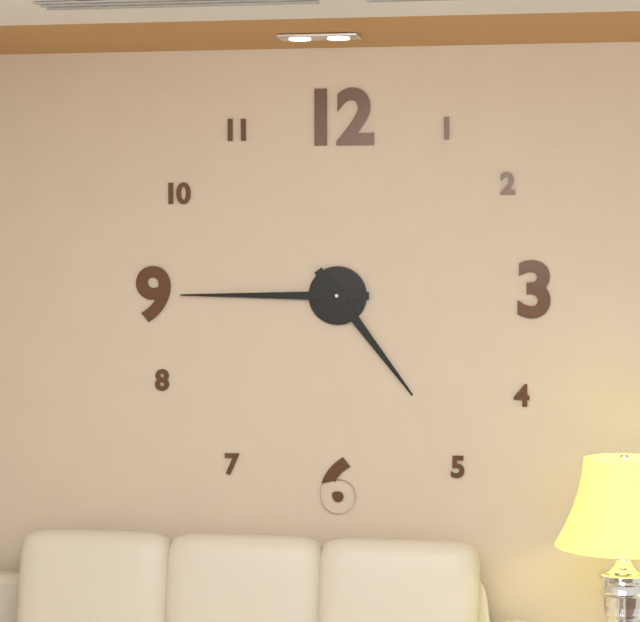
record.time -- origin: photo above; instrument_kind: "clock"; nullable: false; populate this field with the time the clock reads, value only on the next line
4:45
